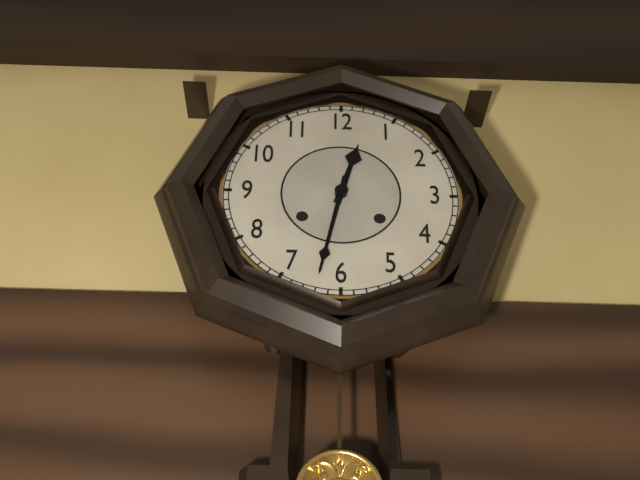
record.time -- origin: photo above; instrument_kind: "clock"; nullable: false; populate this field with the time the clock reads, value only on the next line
12:32
